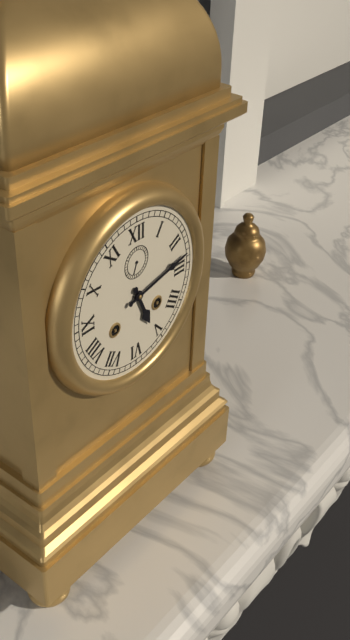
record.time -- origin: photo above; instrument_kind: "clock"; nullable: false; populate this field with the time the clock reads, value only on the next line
5:13
